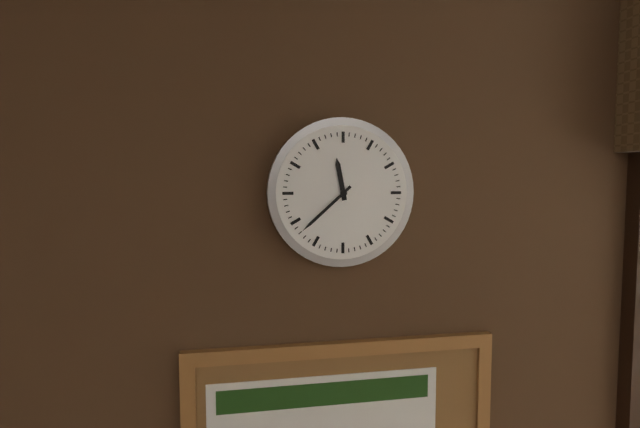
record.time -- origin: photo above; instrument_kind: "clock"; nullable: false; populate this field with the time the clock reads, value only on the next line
11:38
